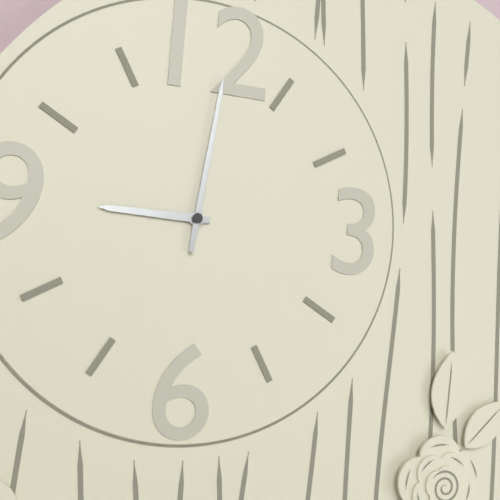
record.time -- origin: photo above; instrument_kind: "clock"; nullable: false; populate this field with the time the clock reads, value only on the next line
9:01
